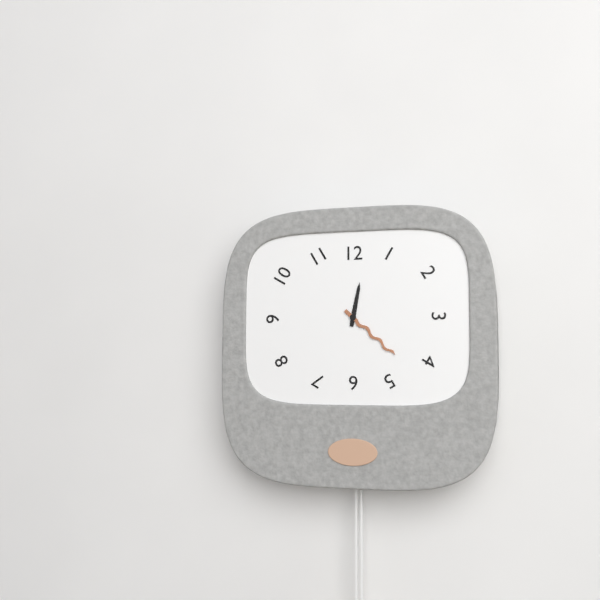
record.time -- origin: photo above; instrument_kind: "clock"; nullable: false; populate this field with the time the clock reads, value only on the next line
12:22
